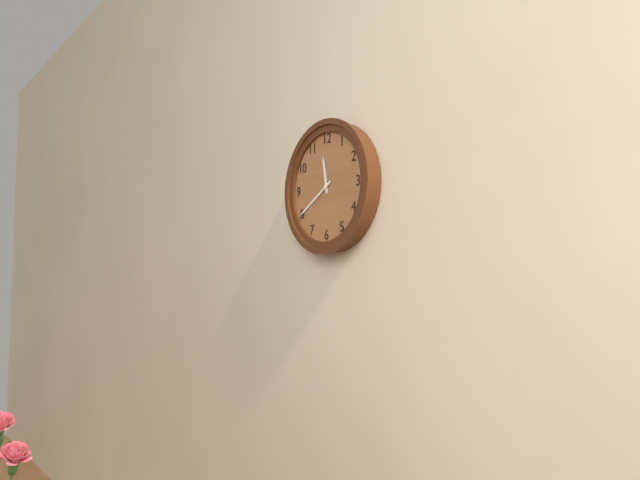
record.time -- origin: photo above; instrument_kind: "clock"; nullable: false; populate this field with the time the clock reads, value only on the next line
11:40
